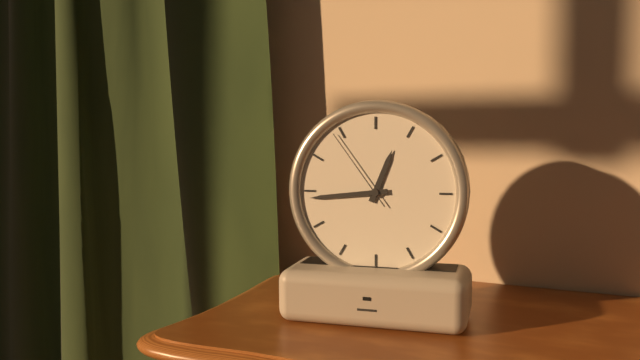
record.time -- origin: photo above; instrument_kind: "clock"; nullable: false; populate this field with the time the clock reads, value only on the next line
12:44:54
